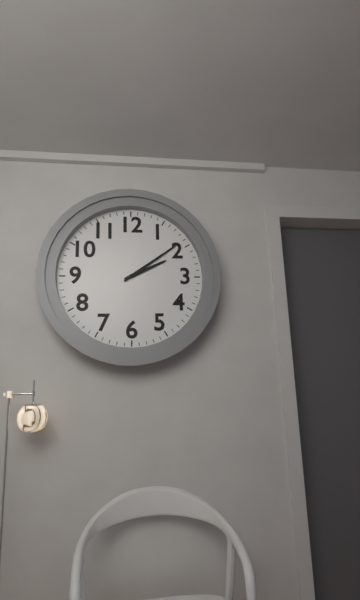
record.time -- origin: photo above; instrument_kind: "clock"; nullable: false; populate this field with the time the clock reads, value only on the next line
2:09
